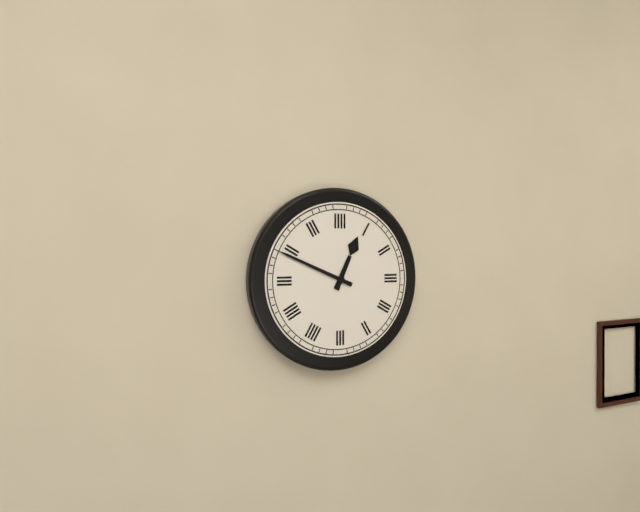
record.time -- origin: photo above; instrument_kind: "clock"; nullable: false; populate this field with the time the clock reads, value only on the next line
12:49
